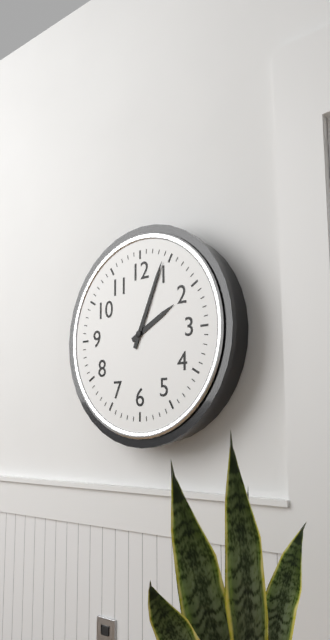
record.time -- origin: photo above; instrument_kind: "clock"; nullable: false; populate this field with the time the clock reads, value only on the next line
2:04
